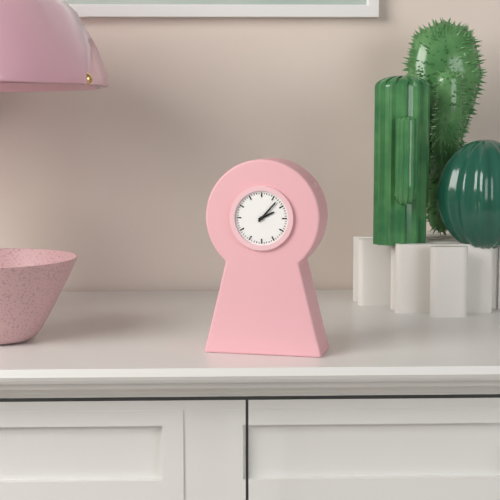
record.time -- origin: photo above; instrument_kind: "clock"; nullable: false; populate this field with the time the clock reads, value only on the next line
2:07
